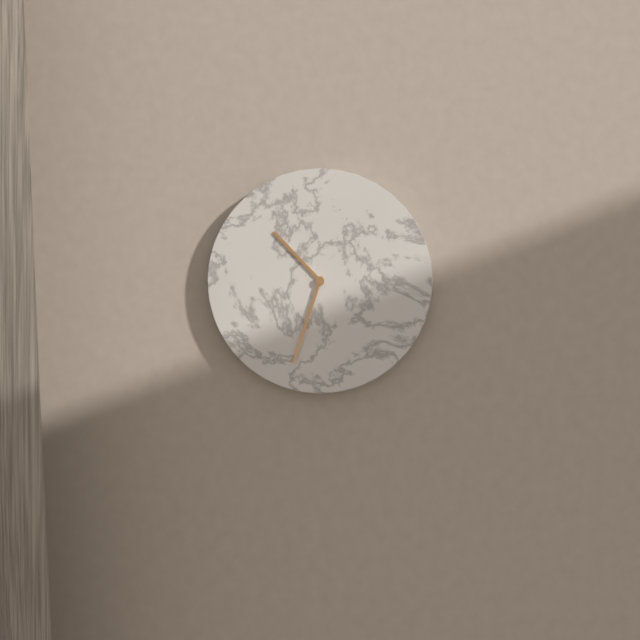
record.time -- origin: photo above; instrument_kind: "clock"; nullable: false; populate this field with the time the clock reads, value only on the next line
10:33
